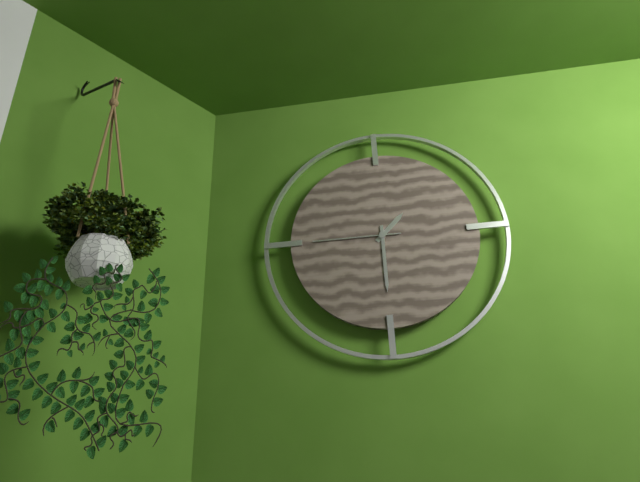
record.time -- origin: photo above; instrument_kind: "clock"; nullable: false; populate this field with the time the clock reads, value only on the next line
1:30:45
